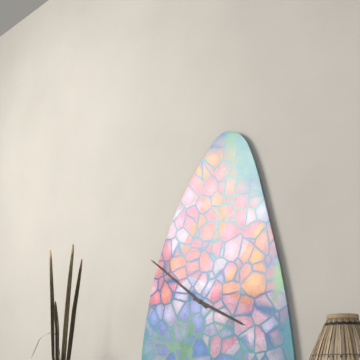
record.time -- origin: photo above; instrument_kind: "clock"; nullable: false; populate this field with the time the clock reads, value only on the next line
3:51
